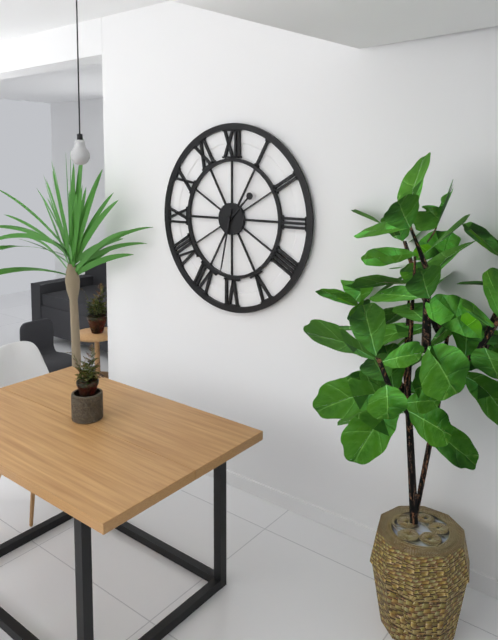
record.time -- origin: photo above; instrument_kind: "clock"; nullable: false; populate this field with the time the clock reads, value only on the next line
1:32
